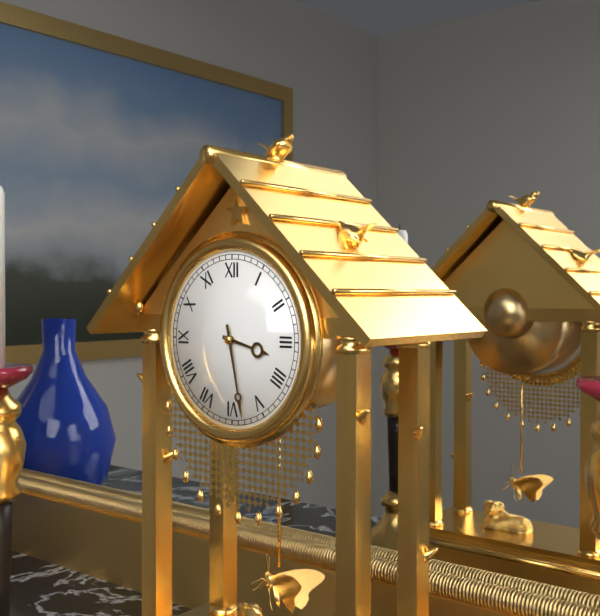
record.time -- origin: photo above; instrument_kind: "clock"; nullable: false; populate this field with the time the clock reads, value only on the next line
3:28
